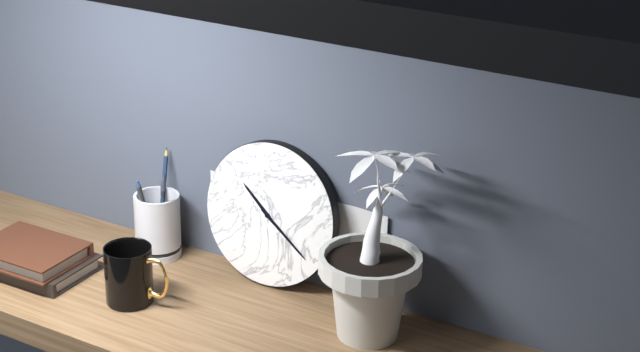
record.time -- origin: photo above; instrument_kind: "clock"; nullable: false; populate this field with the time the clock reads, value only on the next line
10:21
